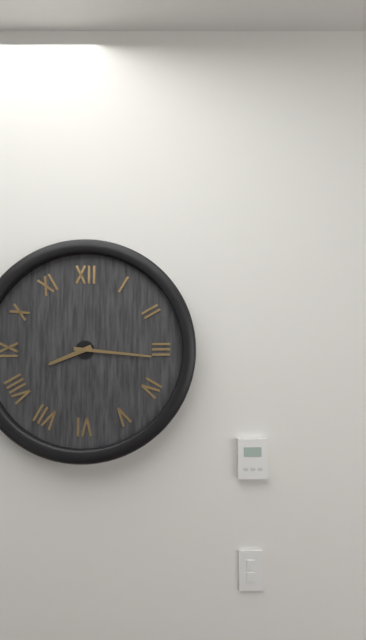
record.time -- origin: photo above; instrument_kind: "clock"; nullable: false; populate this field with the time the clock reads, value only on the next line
8:16
